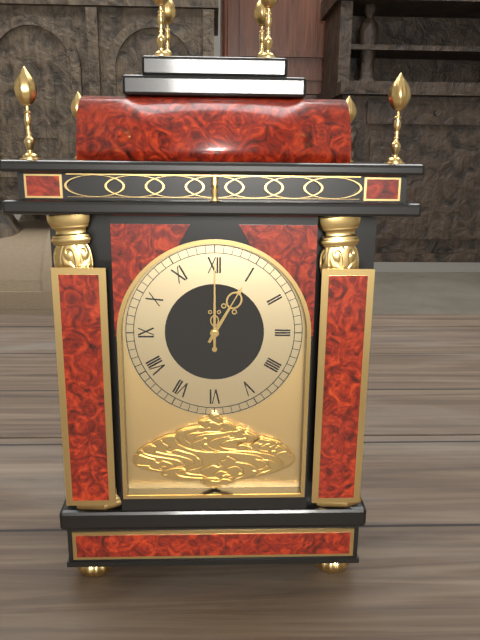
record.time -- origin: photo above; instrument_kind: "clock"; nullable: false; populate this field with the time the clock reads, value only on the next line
1:00
